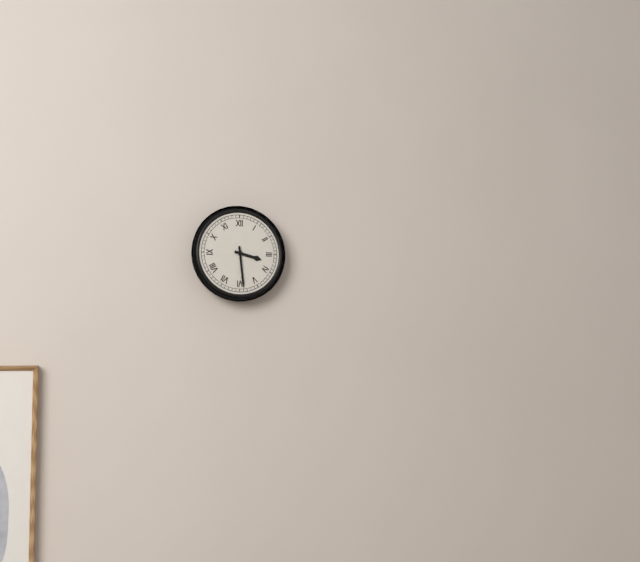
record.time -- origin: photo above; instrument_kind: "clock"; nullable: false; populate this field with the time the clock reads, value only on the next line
3:29
